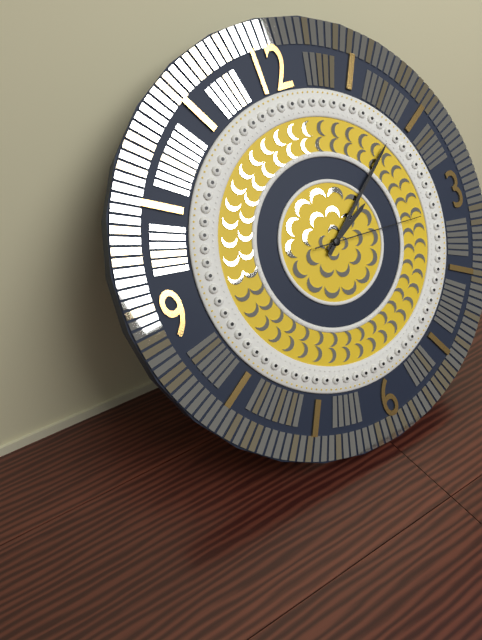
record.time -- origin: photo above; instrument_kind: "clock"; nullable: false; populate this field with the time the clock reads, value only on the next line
2:09:16
